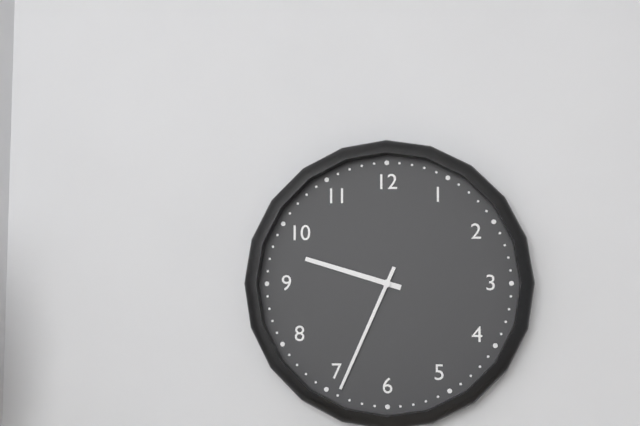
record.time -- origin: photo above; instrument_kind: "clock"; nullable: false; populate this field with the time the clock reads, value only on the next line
9:34
